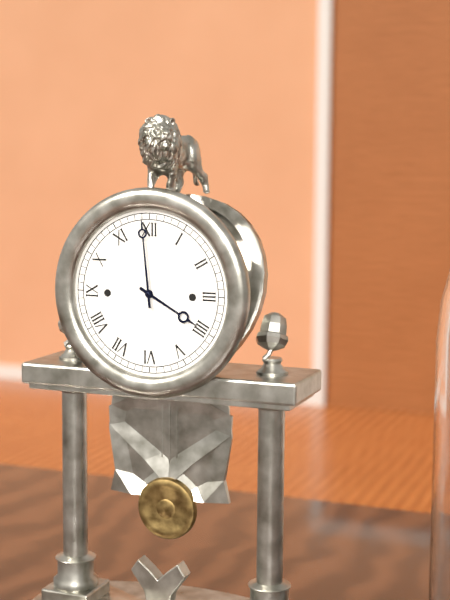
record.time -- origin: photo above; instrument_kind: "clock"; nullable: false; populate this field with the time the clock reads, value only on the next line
3:59
